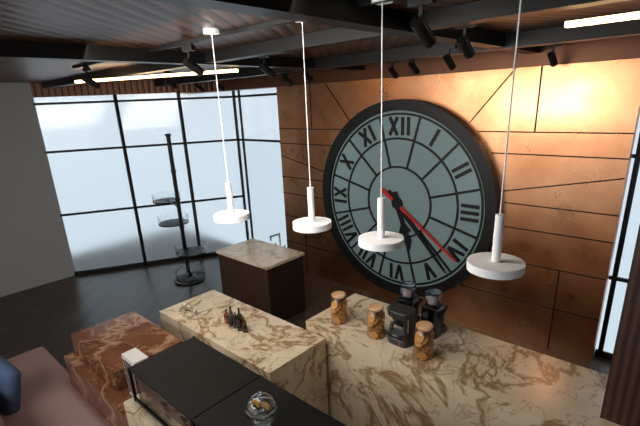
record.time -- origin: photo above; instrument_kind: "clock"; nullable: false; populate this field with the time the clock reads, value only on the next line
5:23:21
